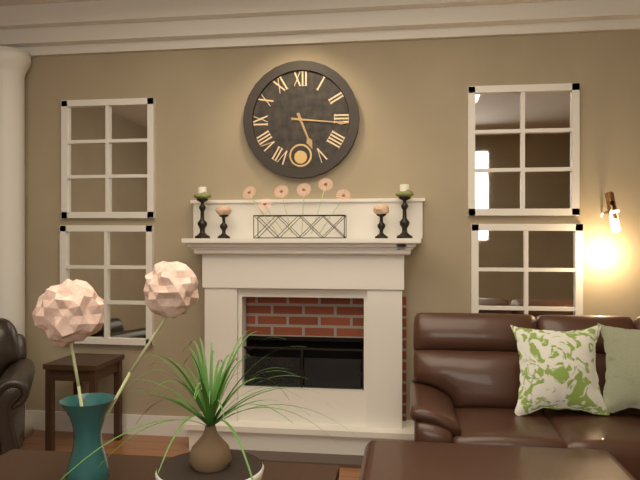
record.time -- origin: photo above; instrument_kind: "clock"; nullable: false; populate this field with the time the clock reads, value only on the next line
5:16
